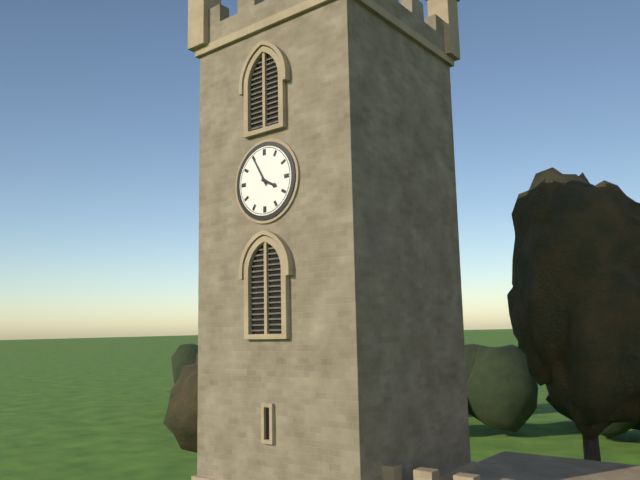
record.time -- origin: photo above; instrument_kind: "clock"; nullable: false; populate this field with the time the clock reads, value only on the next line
3:55
